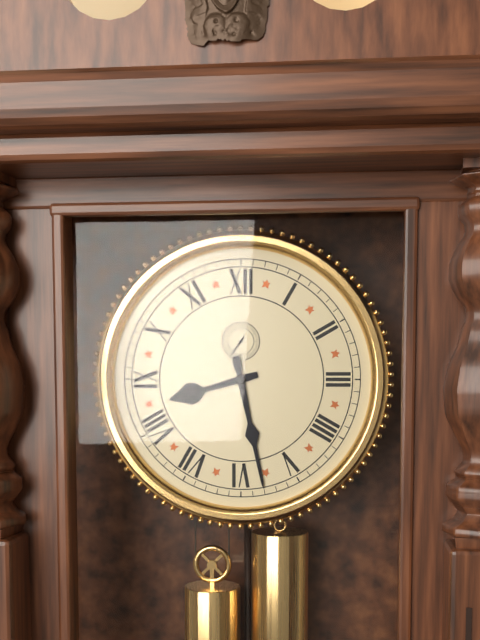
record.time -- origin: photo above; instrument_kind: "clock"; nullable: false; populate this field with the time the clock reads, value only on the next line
8:28
